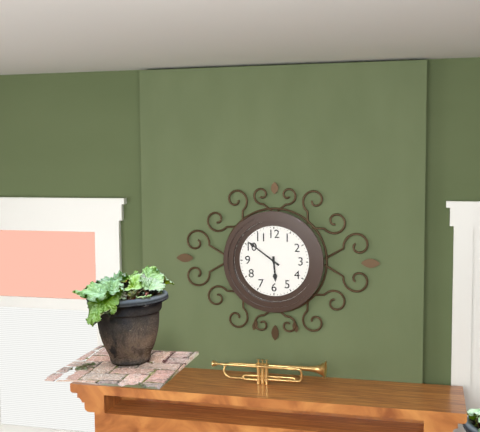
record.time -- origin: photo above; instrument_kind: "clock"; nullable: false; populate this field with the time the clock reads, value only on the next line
5:51
